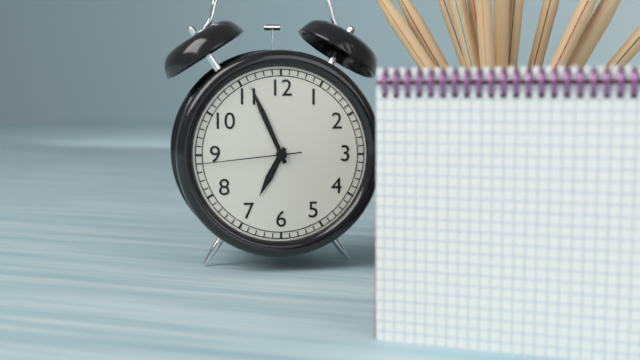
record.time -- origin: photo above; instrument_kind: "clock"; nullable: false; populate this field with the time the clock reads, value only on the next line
6:56:44
